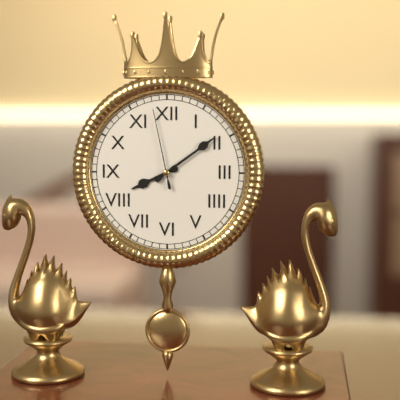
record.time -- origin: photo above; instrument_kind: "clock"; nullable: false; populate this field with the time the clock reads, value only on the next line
8:09:58
